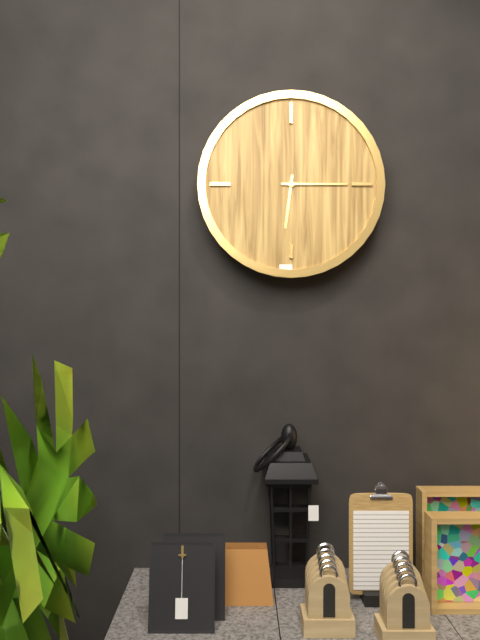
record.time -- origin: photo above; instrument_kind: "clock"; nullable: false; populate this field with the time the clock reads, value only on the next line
6:15
